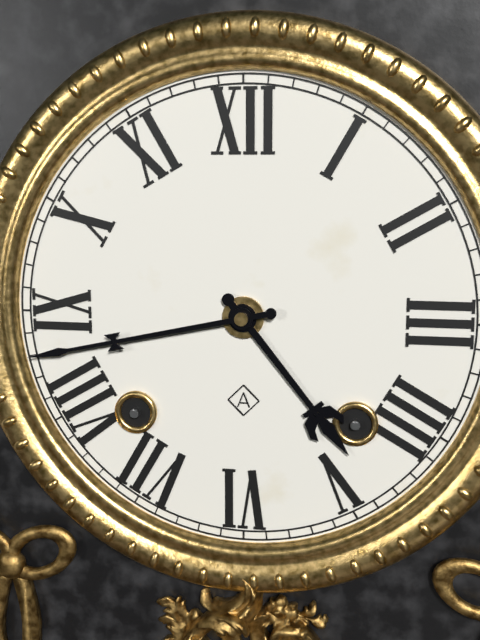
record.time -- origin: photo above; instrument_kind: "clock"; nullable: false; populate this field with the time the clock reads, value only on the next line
4:43
